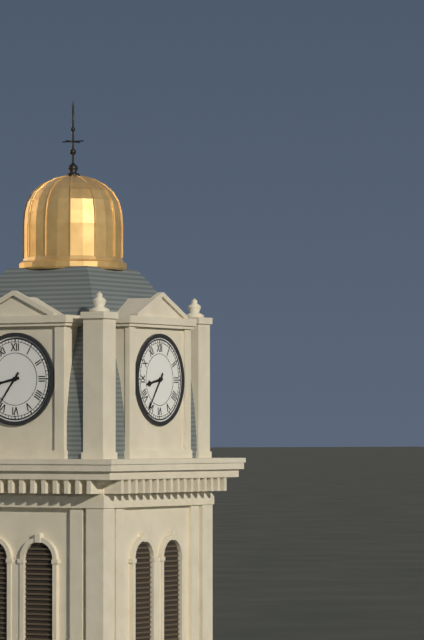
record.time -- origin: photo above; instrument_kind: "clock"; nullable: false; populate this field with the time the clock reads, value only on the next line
8:36
